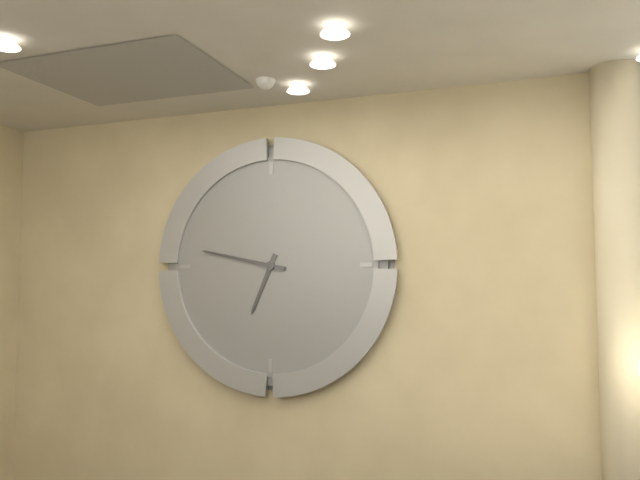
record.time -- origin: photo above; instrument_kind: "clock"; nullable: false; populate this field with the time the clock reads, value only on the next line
6:47
